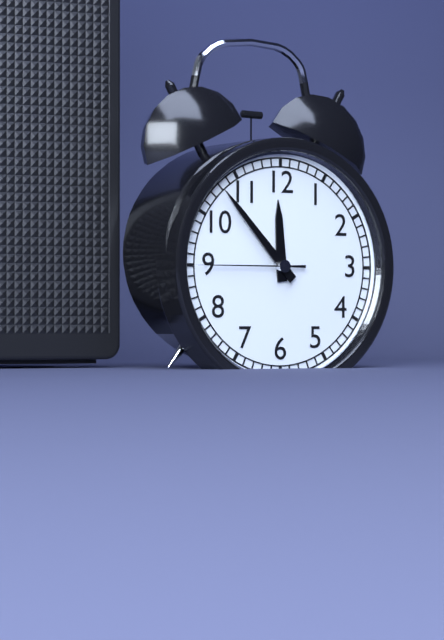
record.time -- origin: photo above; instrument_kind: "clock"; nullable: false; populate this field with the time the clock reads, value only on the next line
11:53:45
